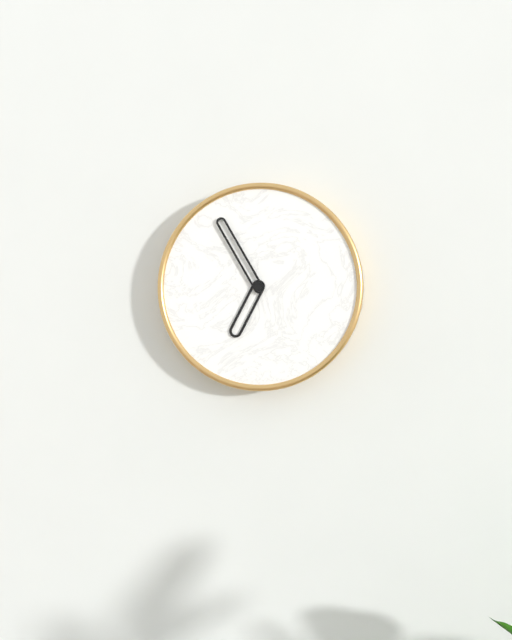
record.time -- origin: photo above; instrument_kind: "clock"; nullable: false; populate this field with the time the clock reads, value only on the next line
6:55
